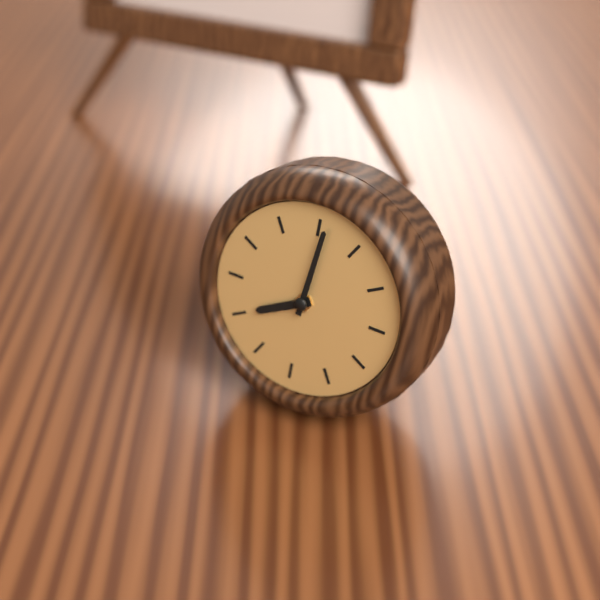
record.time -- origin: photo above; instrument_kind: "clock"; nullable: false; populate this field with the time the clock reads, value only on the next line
8:01
